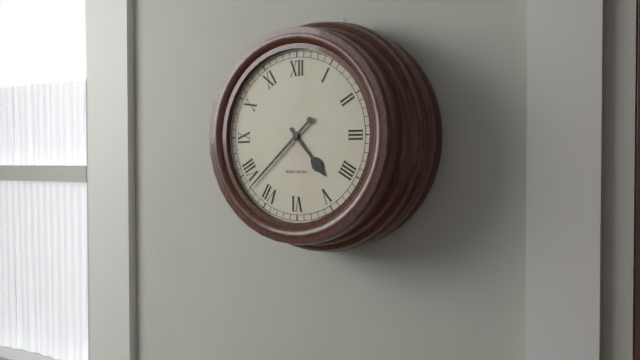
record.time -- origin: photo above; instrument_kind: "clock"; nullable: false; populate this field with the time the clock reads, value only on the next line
4:38
